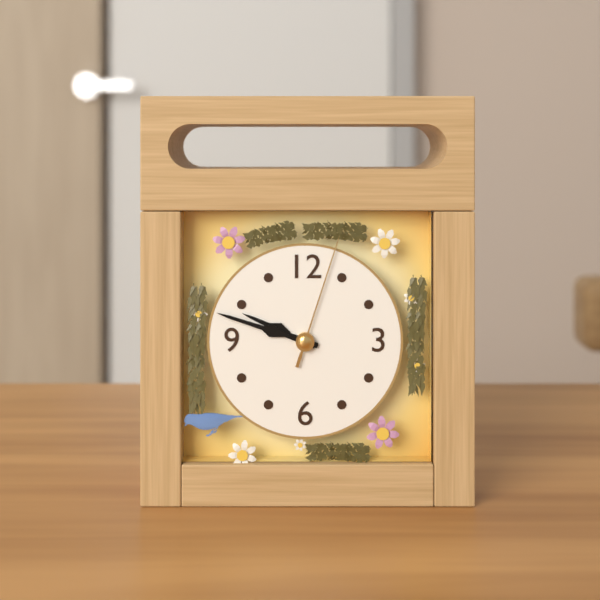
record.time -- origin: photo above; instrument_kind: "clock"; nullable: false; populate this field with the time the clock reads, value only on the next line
9:48:03
